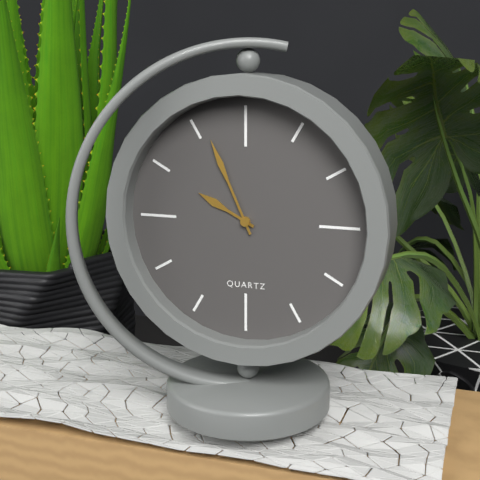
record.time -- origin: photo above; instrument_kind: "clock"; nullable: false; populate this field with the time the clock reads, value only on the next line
9:56
